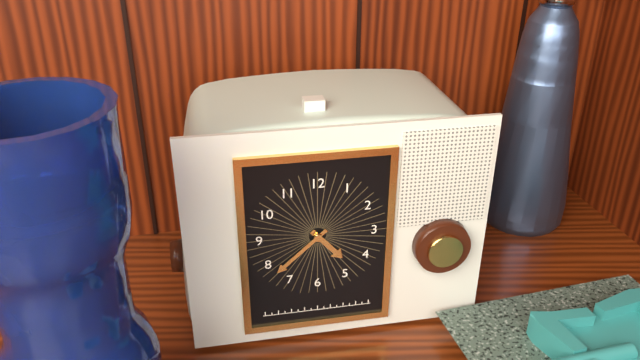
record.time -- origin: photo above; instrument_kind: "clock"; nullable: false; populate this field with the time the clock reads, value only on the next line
4:38
